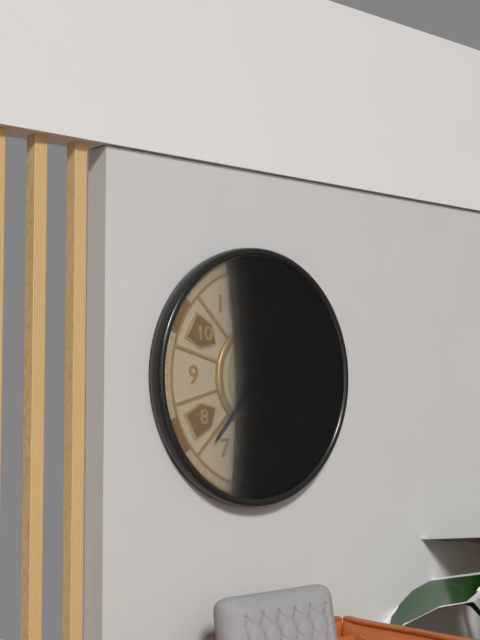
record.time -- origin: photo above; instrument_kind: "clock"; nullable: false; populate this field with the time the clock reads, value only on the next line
2:37:56
